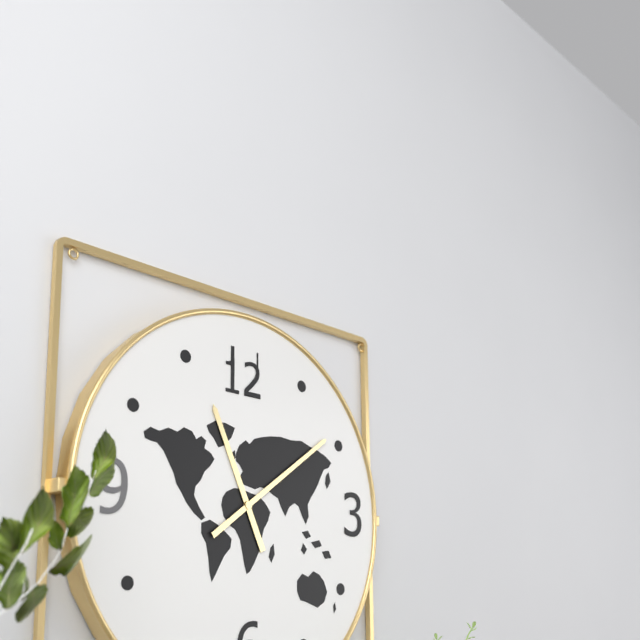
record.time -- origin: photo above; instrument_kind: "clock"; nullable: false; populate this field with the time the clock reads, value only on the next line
11:09
